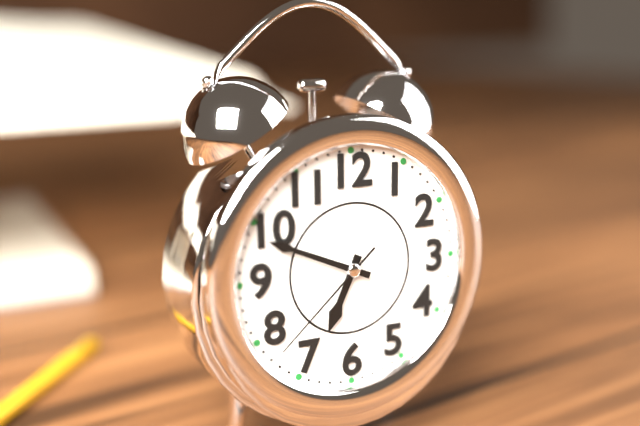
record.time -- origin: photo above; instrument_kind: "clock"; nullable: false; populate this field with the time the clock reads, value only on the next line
6:49:38
